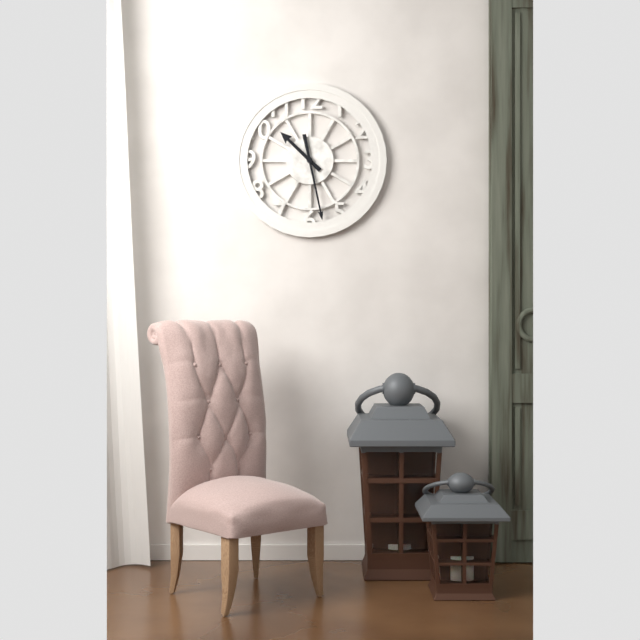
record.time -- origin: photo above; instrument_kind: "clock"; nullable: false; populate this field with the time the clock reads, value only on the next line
10:28
